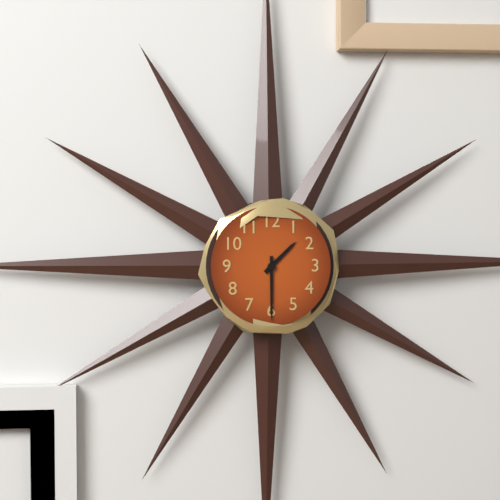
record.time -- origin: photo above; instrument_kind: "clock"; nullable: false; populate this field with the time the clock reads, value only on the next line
1:30
